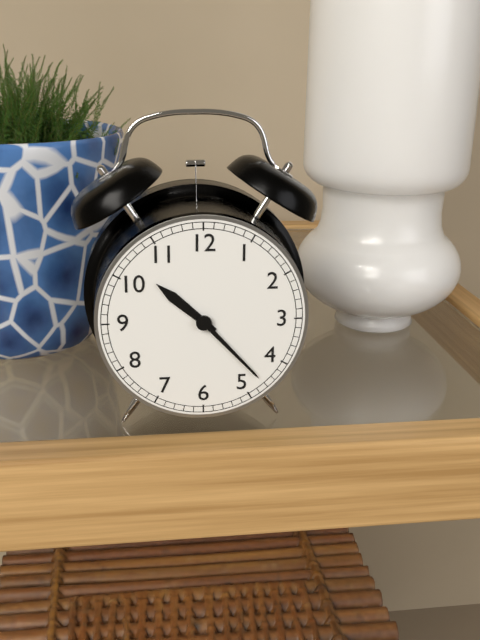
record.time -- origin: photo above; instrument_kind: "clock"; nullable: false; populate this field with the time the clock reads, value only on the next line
10:23
